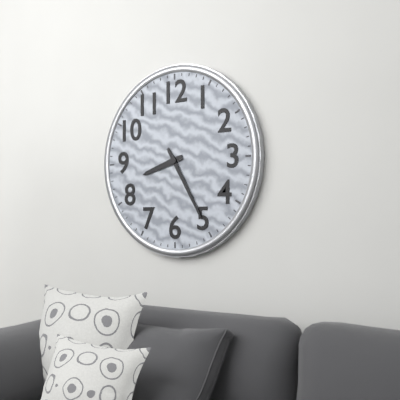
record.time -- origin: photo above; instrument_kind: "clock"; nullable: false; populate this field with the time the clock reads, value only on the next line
8:25
